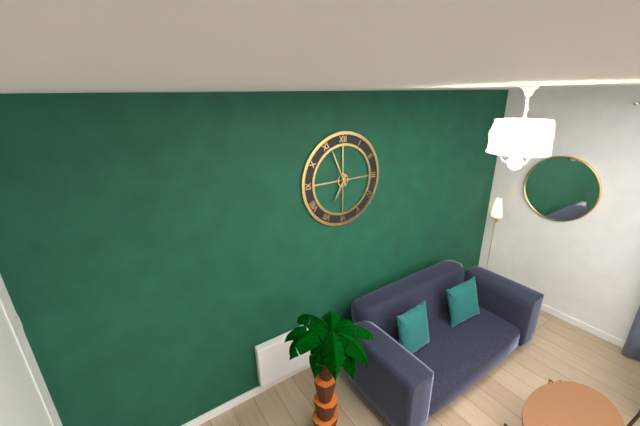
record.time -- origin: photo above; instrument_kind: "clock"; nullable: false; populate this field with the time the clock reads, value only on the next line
6:56
